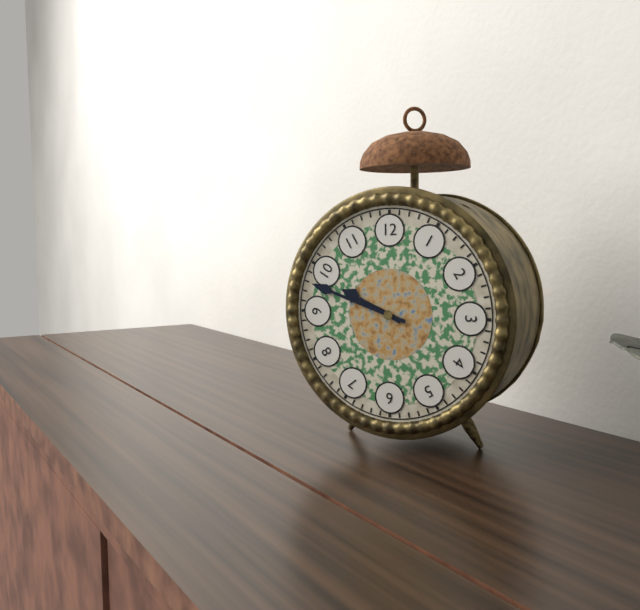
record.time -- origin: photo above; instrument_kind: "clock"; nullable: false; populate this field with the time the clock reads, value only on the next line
9:48
